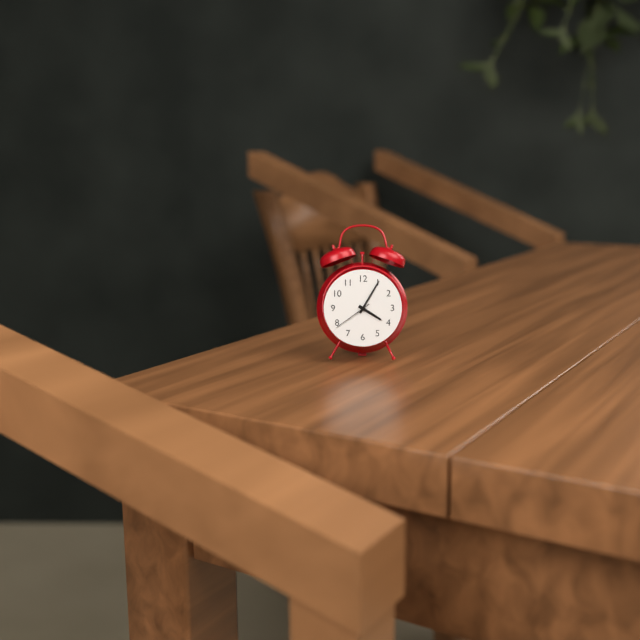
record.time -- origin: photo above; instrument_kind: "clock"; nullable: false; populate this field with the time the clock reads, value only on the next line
4:05
